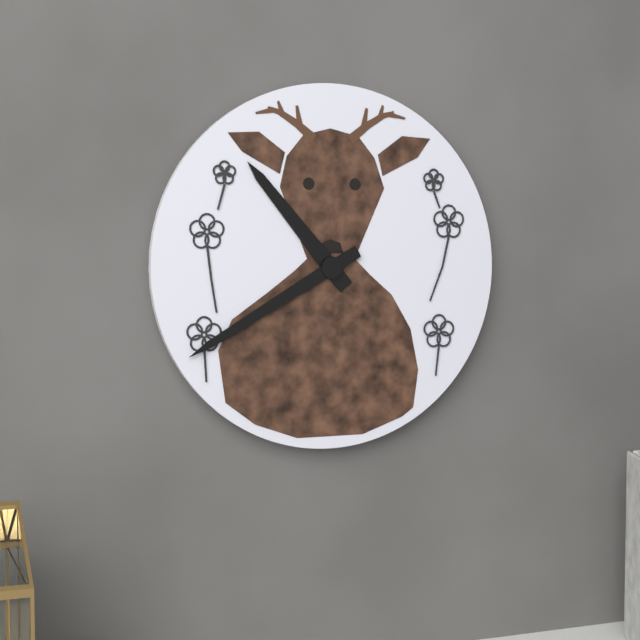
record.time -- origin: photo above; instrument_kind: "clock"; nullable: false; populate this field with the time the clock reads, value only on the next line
10:40
